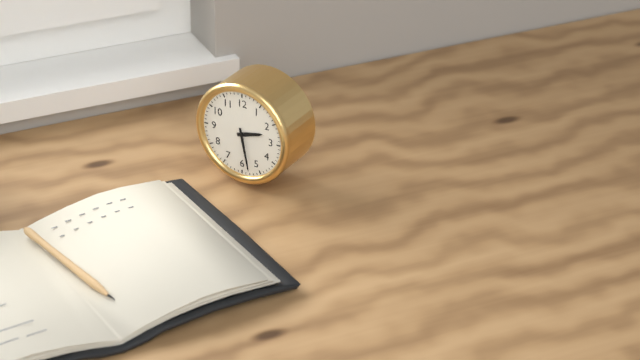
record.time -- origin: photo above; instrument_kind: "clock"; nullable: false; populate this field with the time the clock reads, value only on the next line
2:28
